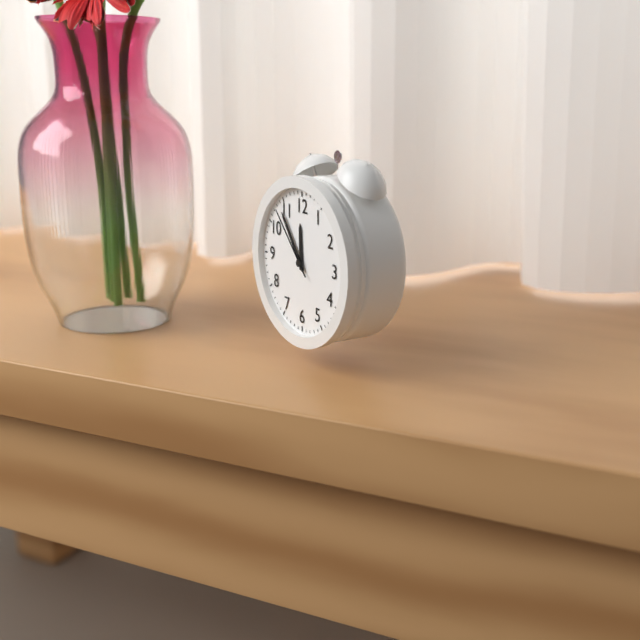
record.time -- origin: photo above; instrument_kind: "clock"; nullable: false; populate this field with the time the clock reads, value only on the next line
11:54:53
